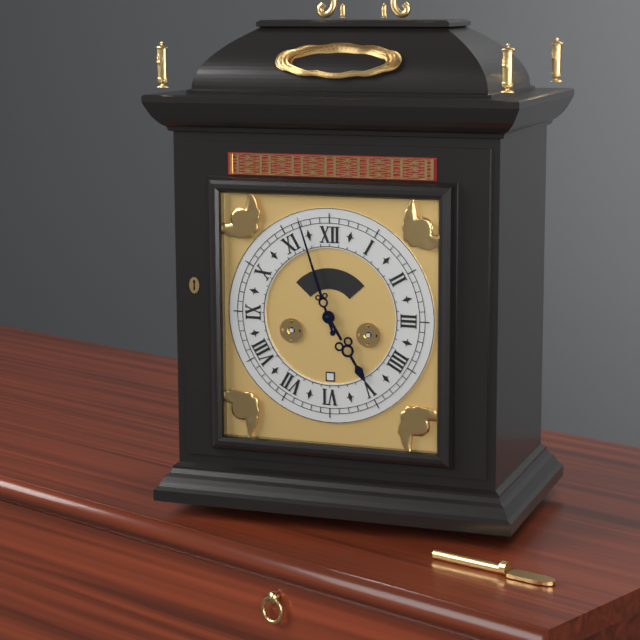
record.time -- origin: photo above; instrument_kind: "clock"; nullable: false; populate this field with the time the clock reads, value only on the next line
4:57
